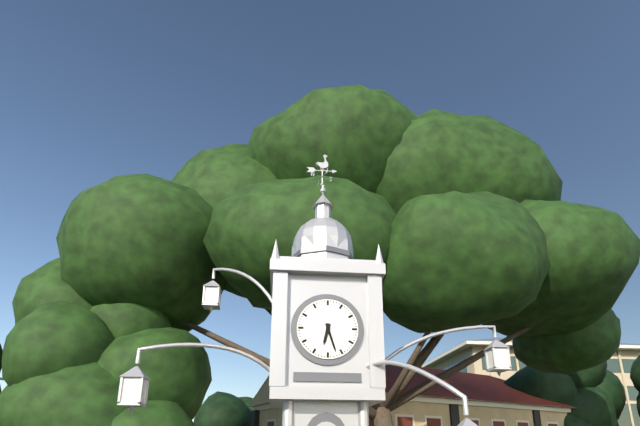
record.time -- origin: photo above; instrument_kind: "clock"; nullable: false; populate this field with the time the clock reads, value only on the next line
6:27
